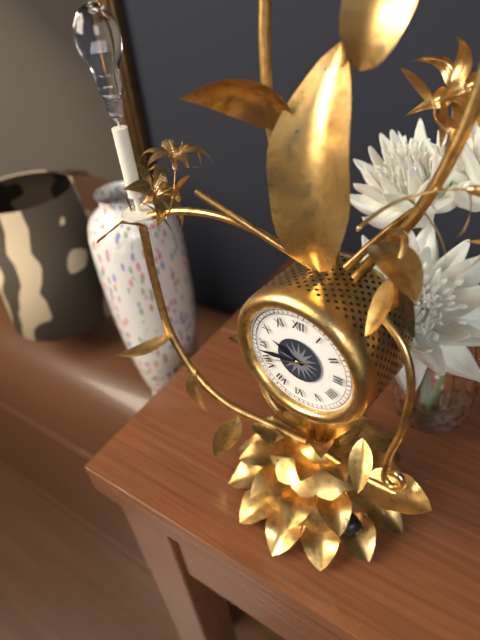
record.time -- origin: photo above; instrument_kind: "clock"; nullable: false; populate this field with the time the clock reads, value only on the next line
9:43:41
